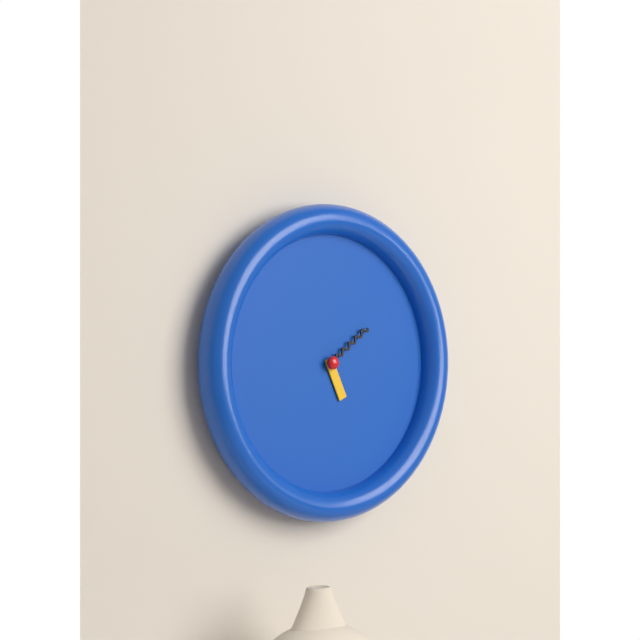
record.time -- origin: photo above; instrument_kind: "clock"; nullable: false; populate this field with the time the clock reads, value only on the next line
5:09
